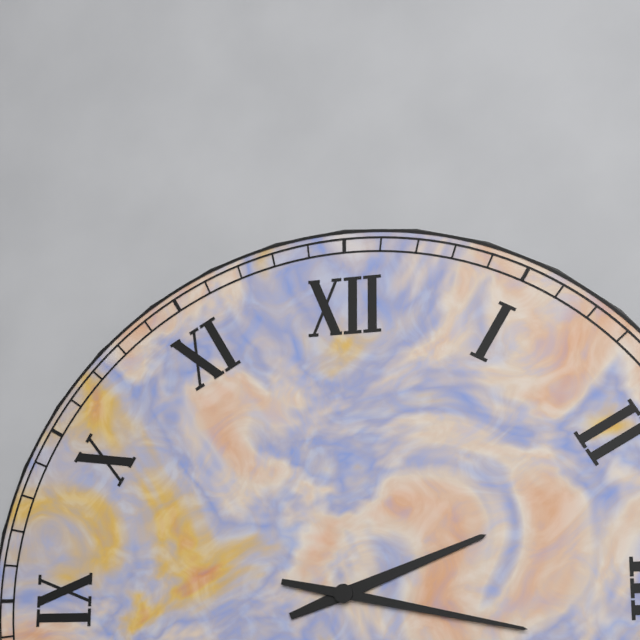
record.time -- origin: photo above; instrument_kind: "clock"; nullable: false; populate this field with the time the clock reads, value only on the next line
2:17
